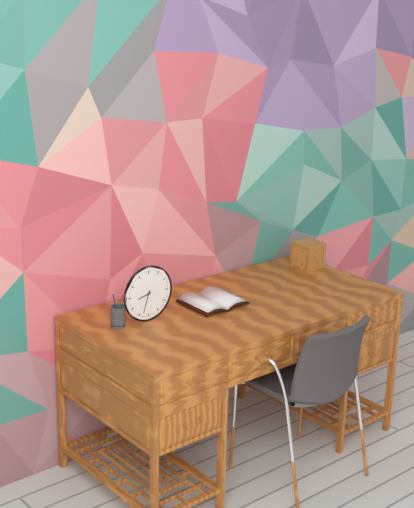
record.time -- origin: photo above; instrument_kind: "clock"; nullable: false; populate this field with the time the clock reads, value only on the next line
8:33
